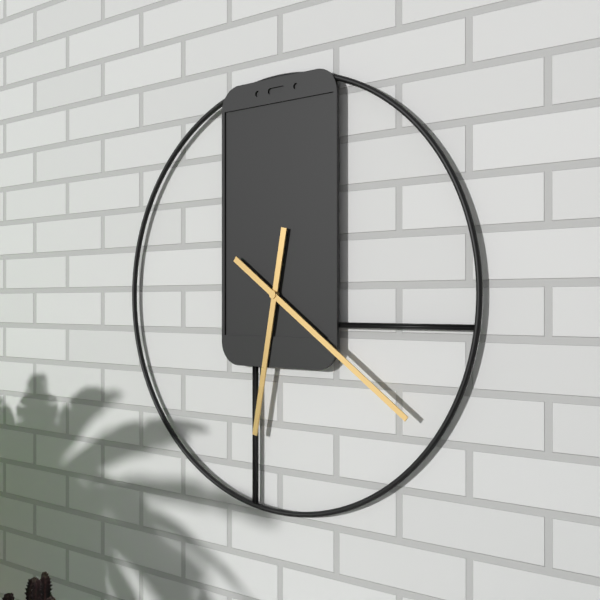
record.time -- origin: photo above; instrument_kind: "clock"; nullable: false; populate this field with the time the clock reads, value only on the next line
6:21
